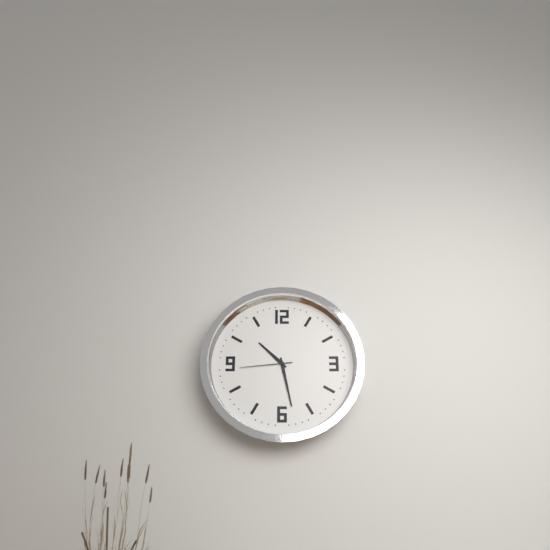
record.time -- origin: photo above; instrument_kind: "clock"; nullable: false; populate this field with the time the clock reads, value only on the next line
10:28:44
